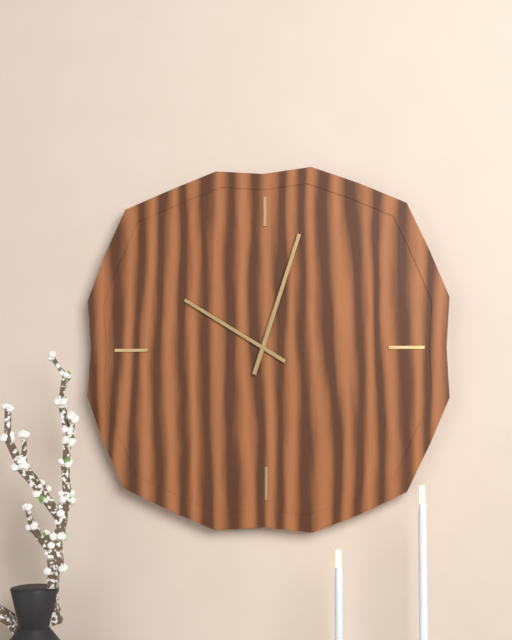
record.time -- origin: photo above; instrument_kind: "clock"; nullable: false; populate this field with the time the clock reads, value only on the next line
10:03
